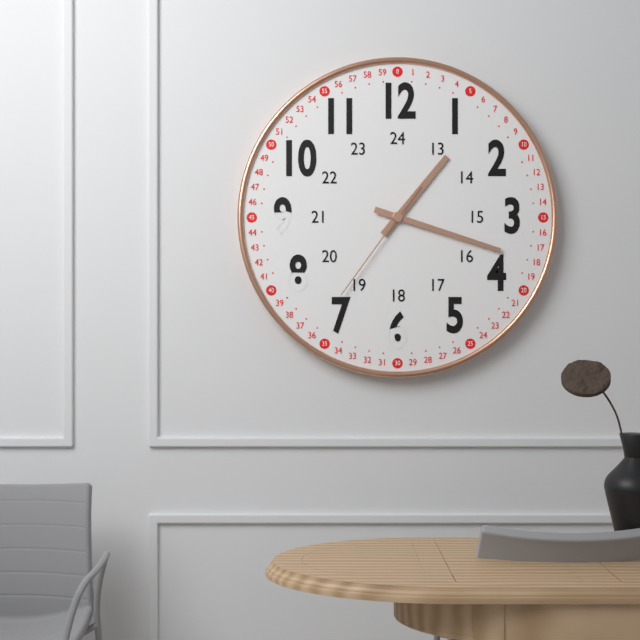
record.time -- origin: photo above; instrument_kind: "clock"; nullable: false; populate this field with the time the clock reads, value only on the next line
1:18:36
